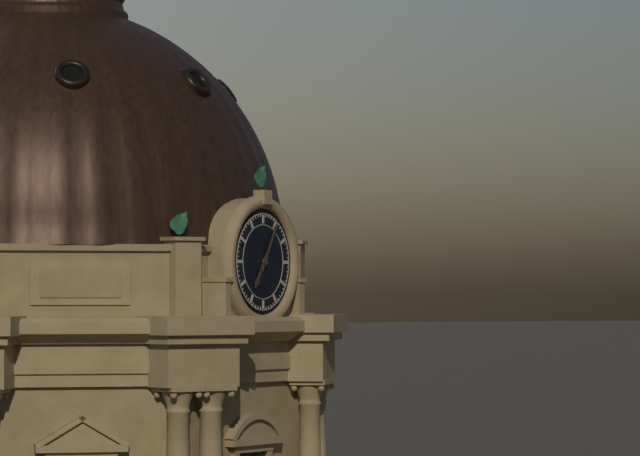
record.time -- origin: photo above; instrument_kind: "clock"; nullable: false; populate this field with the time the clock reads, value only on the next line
7:05
